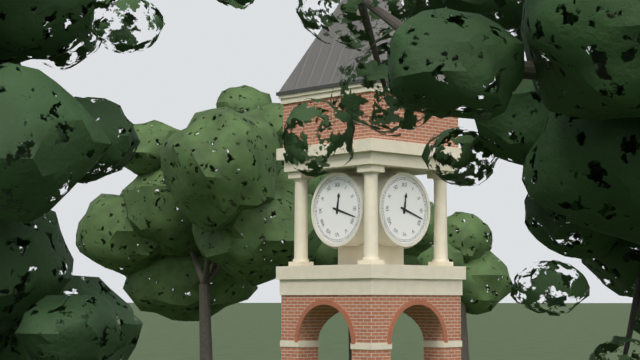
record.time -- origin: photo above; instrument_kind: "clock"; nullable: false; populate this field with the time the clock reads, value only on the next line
12:18
